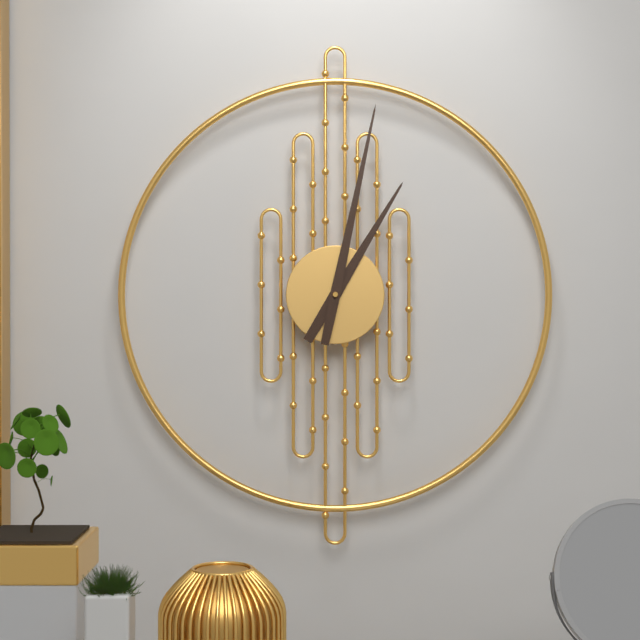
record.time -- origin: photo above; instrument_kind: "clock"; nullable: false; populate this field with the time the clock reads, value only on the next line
1:02
